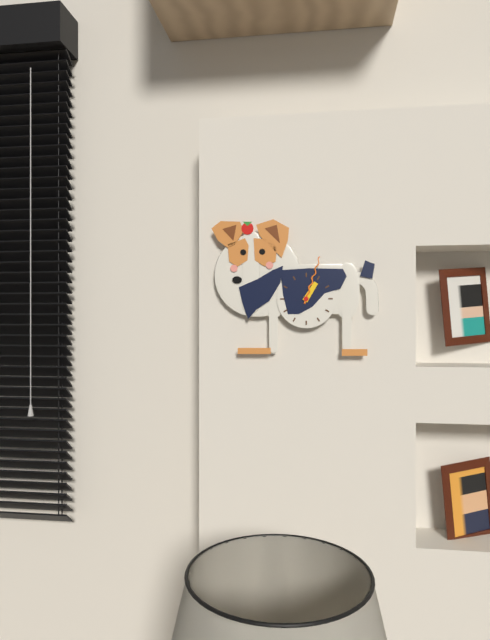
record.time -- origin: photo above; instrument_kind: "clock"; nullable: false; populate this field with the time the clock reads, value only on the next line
1:03
